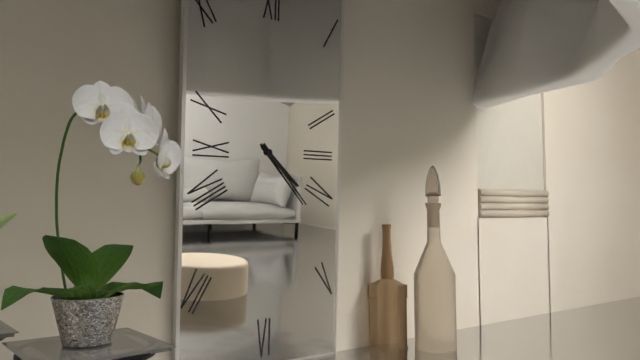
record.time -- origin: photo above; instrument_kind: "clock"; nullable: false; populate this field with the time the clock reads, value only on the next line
4:23
